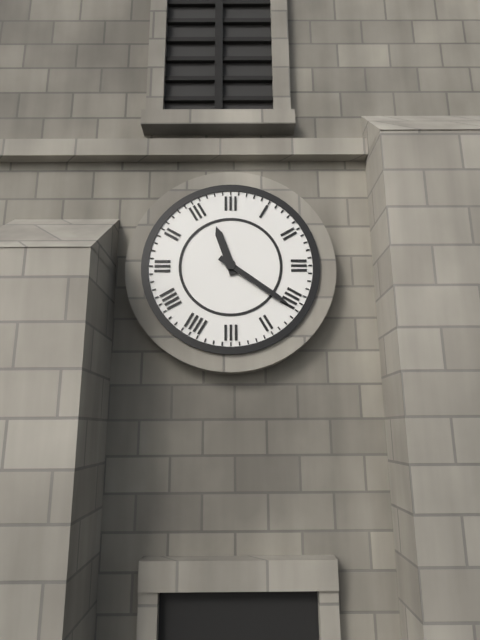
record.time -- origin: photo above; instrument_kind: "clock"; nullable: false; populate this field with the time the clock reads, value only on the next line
11:21
